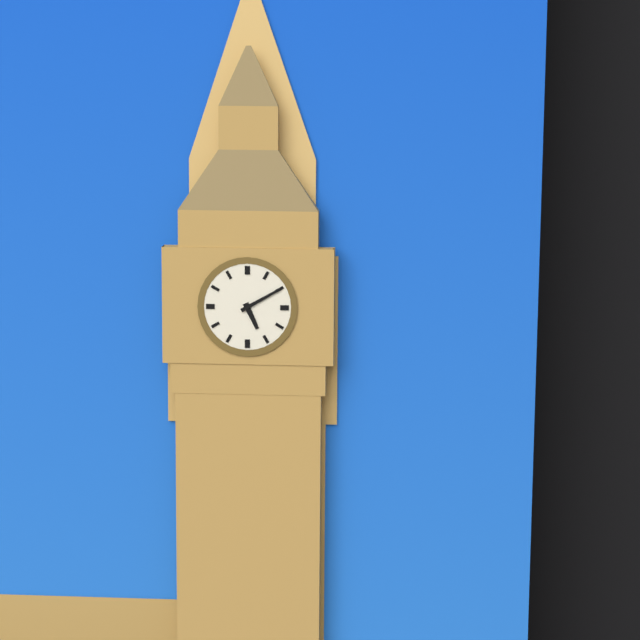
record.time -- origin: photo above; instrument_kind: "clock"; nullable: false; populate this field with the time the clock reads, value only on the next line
5:10
